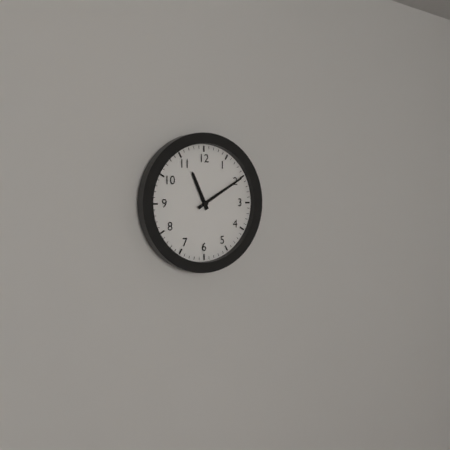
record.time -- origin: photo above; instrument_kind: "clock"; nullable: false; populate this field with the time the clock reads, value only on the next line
11:10
